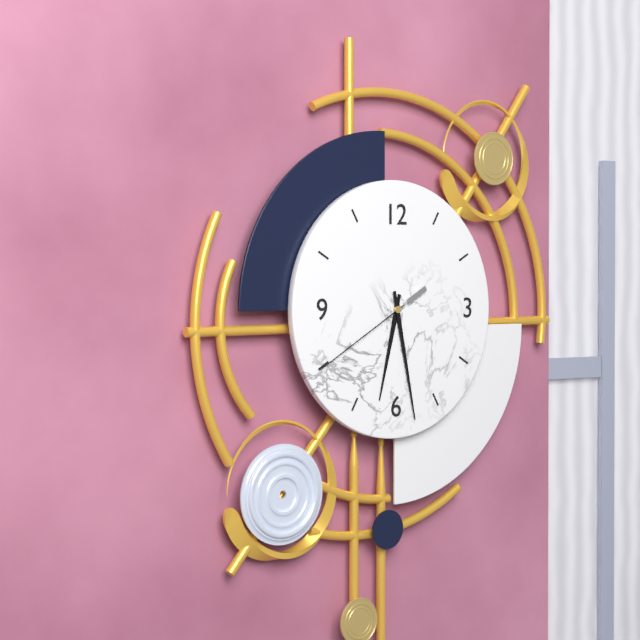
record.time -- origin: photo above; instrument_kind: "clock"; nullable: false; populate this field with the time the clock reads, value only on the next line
6:28:40
